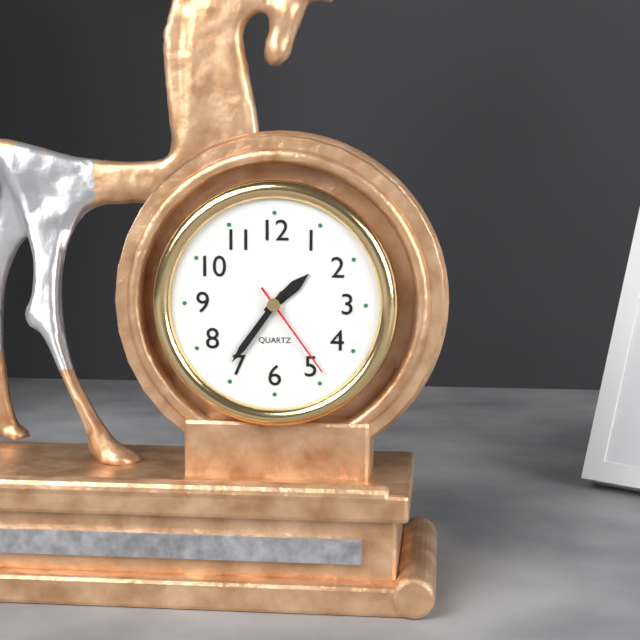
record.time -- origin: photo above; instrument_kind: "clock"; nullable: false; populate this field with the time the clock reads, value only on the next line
1:36:24
